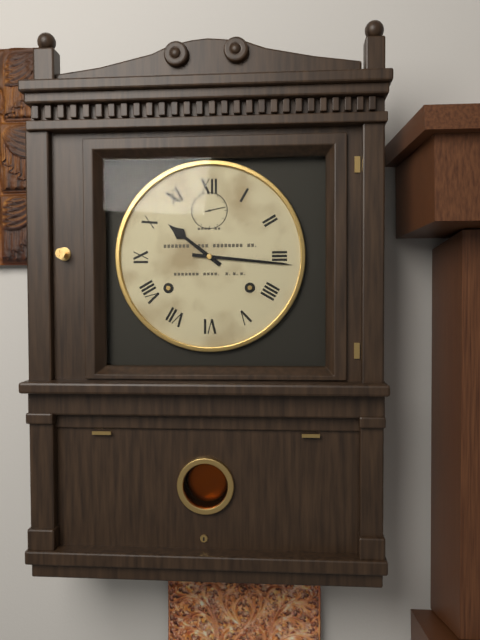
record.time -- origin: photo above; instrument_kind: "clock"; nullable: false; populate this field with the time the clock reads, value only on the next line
10:16
